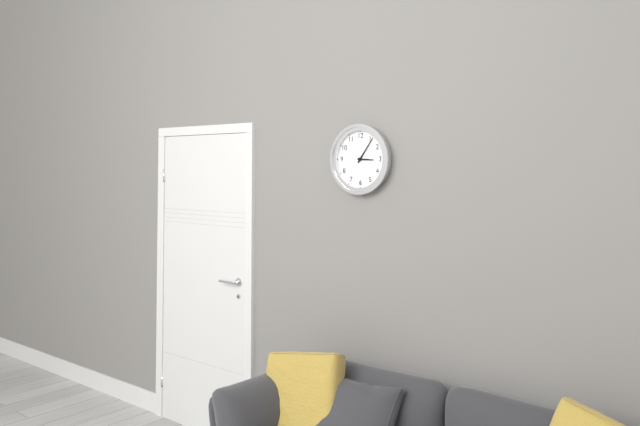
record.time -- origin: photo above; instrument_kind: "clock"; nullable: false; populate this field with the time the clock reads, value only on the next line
3:06
